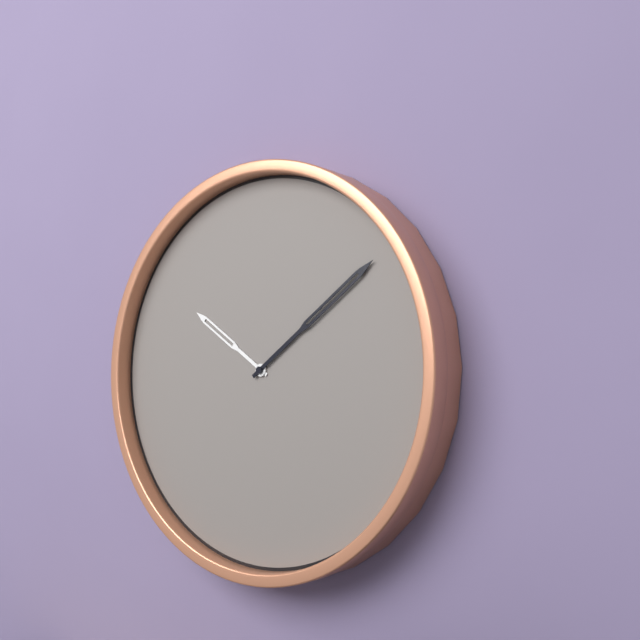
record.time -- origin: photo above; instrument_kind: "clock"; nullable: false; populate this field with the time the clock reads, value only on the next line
10:09
